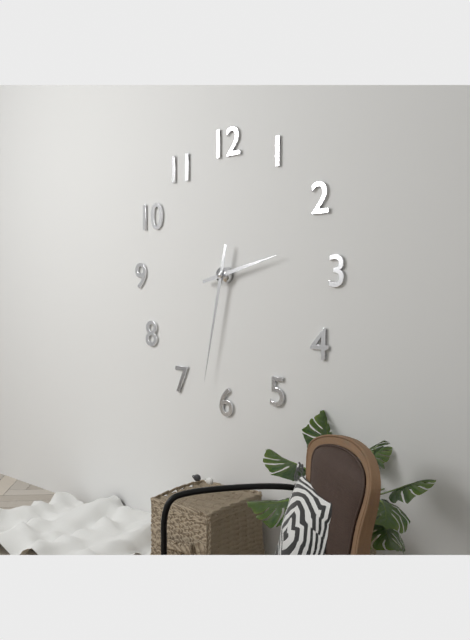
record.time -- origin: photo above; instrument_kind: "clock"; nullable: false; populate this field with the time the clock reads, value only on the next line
2:32
